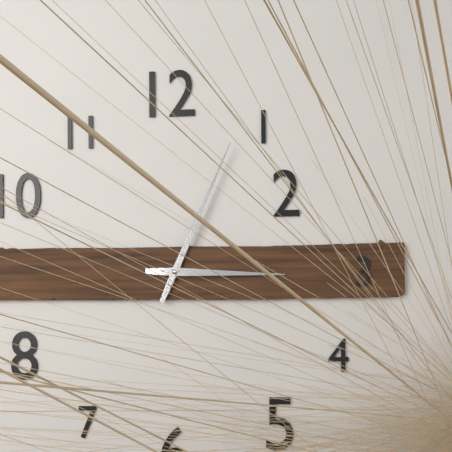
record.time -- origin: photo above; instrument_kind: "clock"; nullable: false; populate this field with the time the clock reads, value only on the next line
3:04
